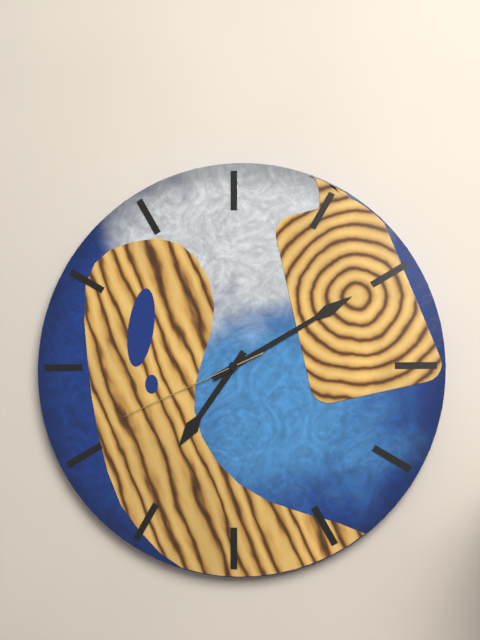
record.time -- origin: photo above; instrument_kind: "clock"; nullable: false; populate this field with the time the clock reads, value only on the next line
7:10:41
